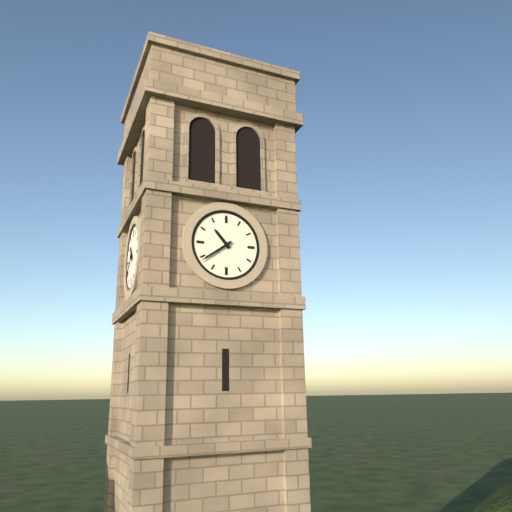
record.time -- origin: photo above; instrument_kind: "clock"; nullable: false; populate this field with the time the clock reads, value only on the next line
10:39
